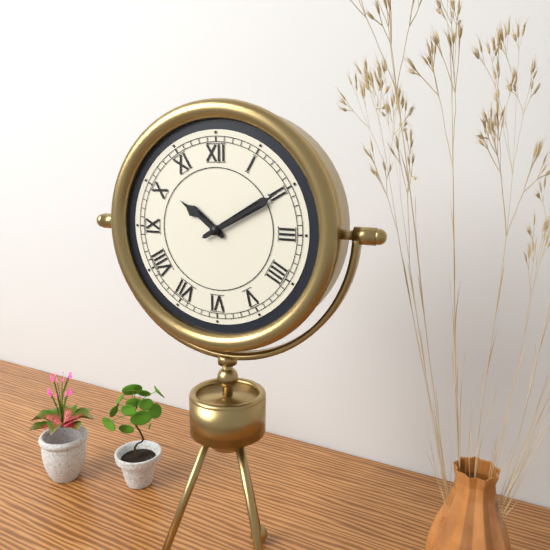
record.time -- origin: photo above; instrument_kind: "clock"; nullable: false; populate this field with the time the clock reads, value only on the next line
10:10
